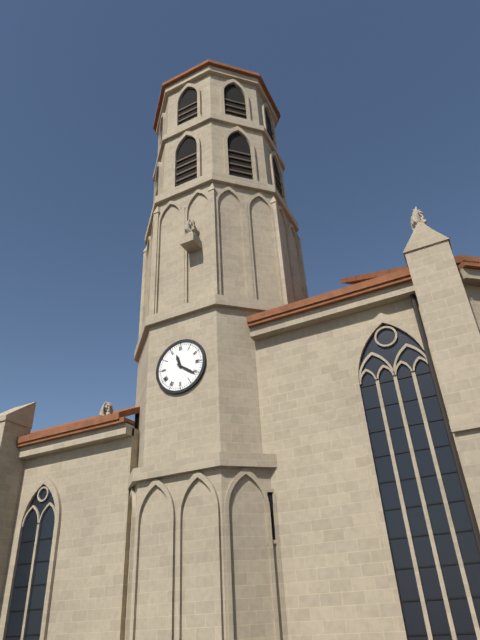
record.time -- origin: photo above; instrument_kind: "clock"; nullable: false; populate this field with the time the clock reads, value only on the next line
11:21
